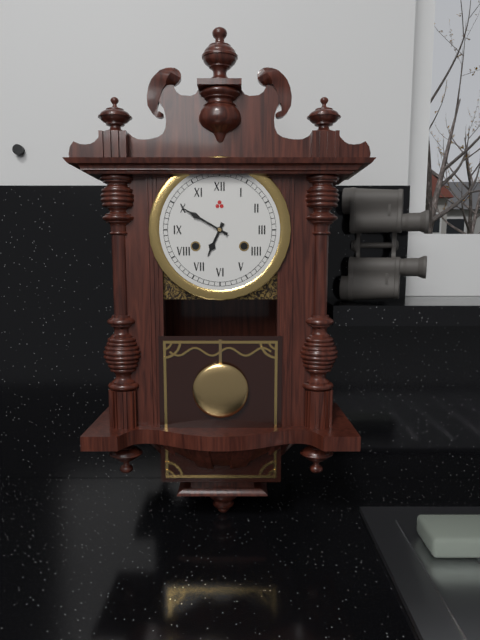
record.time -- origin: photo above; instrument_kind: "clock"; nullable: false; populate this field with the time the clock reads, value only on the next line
6:50
